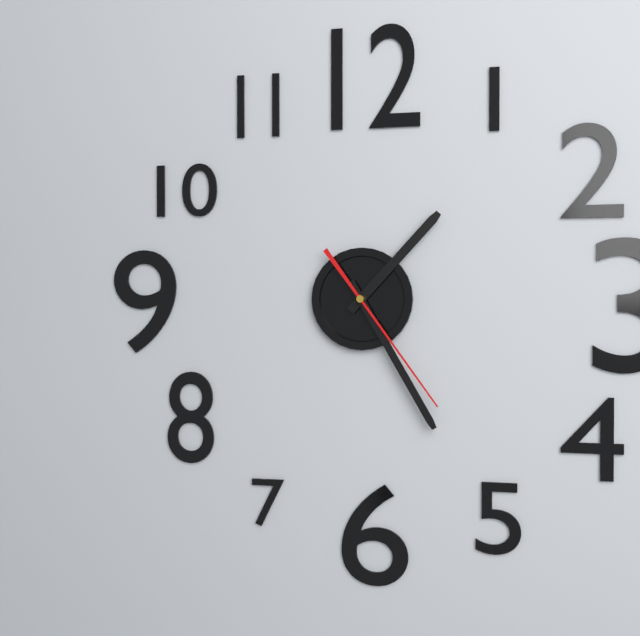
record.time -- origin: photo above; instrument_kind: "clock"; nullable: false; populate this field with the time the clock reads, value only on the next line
1:25:24
